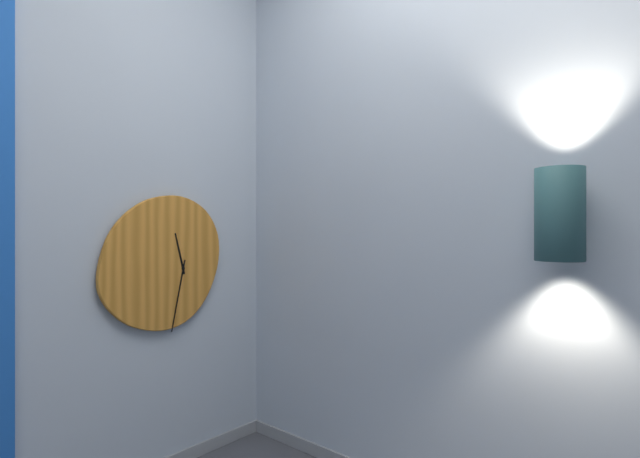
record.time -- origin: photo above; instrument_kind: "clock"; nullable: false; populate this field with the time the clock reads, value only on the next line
11:32
